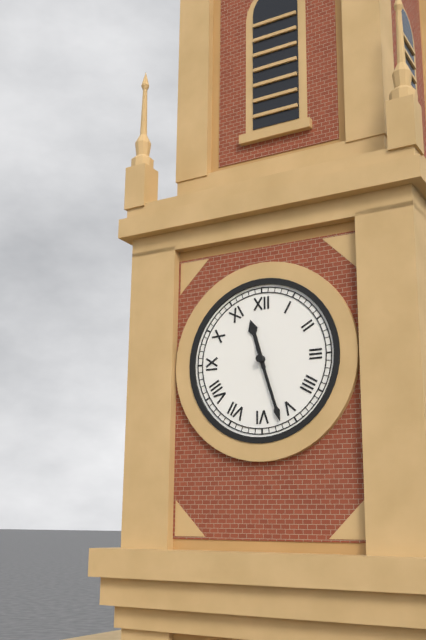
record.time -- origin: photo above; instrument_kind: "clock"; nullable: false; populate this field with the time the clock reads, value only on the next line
11:27
